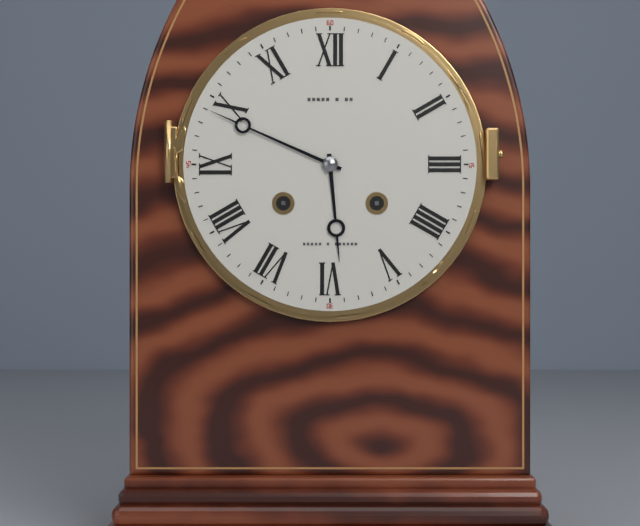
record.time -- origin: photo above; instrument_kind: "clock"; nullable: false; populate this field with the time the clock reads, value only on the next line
5:49
